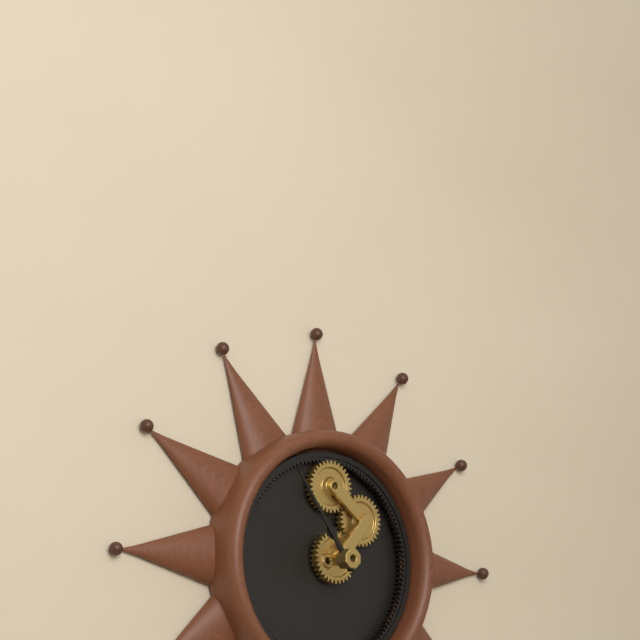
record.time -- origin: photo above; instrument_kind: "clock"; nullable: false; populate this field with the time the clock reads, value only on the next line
10:54
